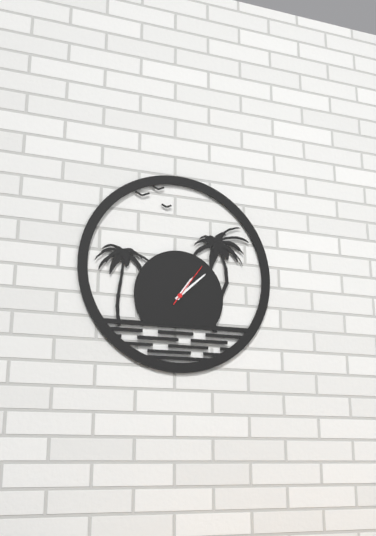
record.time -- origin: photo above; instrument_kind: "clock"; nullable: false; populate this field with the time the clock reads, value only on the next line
1:08
